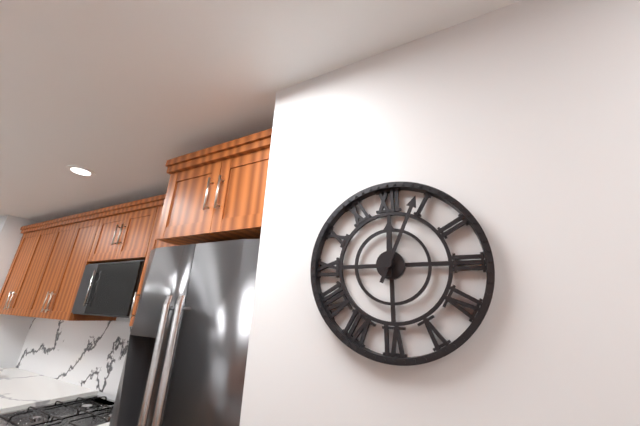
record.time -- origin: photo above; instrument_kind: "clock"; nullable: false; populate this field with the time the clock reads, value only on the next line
12:04
